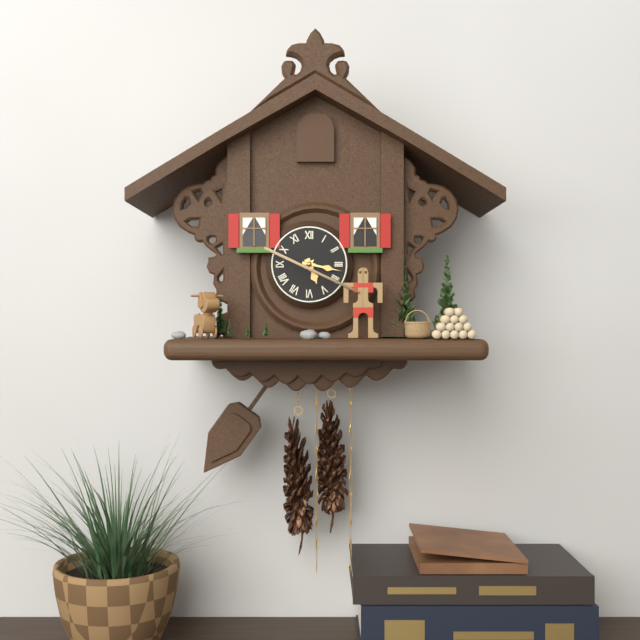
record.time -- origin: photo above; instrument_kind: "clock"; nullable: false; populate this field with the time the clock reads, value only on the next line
5:17
